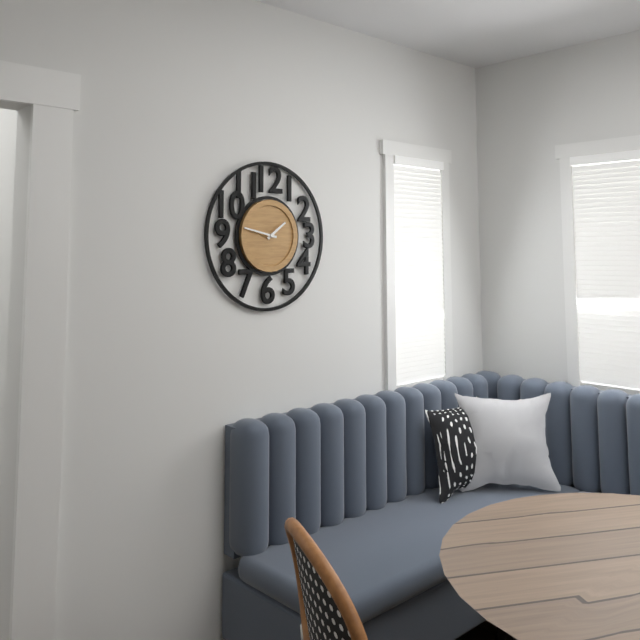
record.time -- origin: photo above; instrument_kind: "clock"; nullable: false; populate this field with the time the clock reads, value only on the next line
1:47
